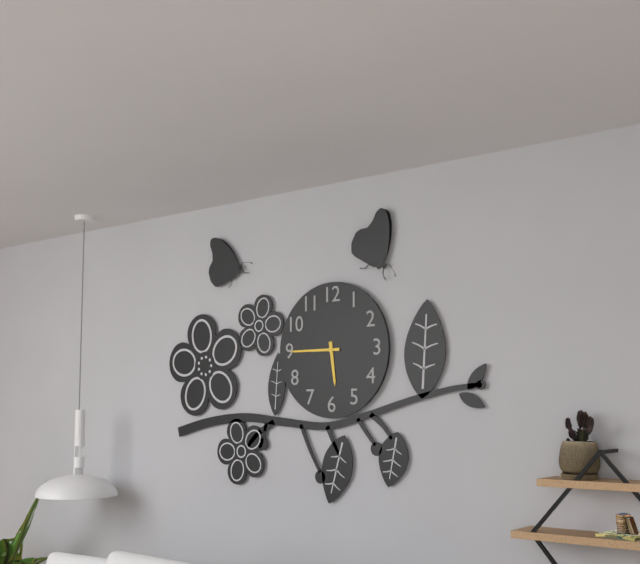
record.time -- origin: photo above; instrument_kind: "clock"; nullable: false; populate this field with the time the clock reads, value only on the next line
5:45
